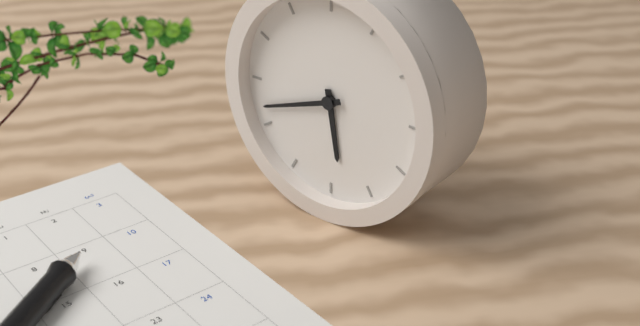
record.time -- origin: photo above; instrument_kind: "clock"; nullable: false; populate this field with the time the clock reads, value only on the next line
5:42
